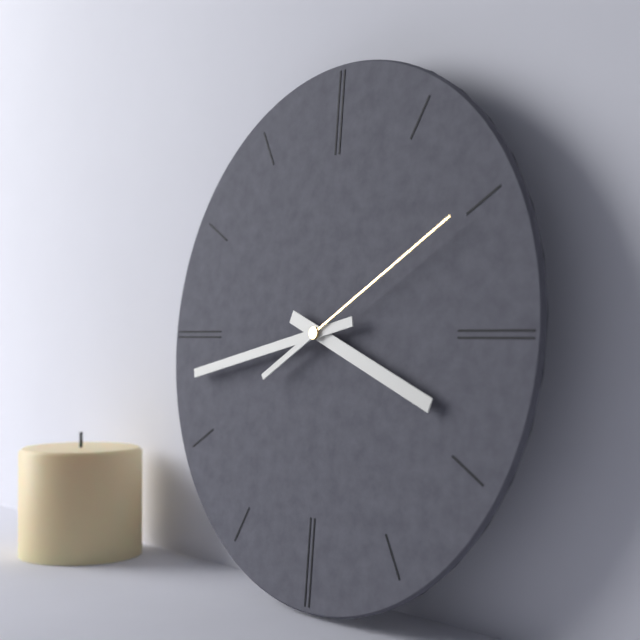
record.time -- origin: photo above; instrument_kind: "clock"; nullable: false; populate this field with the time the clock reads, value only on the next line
3:43:10
